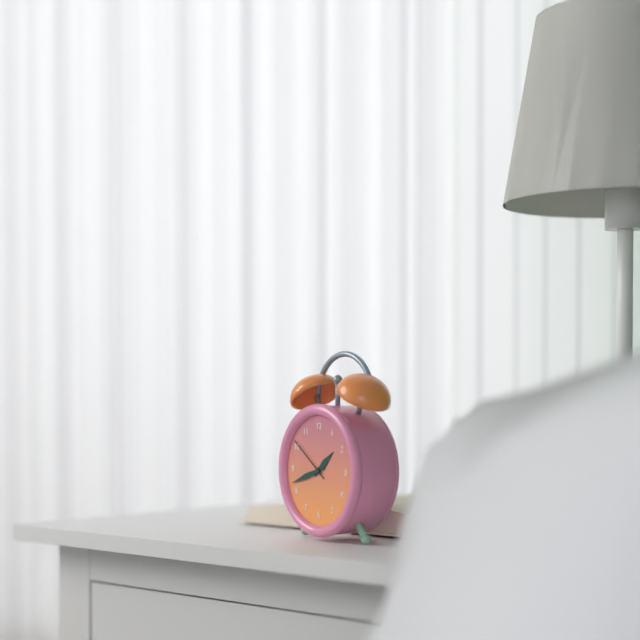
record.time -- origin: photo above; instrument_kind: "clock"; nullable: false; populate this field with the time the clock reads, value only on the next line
1:42:51
